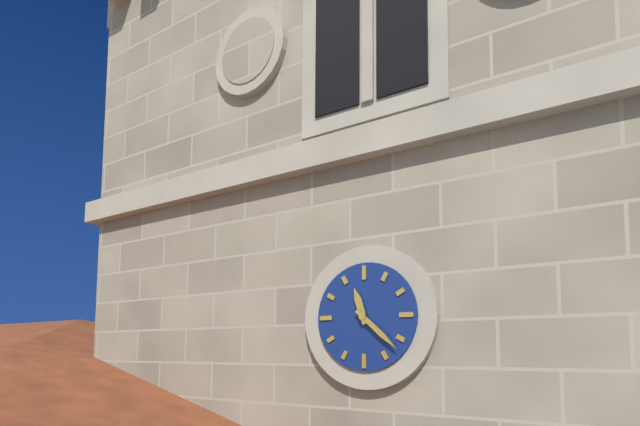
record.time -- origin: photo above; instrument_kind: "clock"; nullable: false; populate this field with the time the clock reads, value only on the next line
11:22
